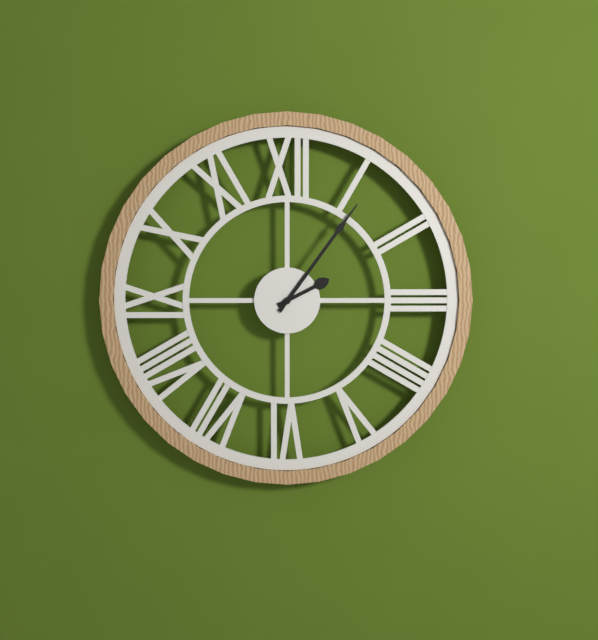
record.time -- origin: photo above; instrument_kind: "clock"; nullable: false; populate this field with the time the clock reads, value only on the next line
2:06
